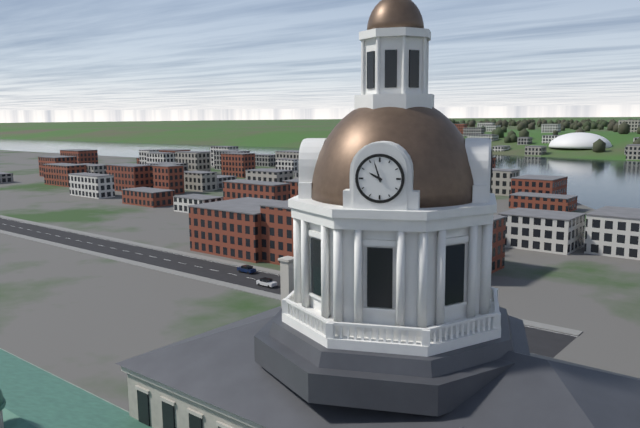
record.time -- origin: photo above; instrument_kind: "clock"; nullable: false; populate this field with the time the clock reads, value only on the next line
9:57
